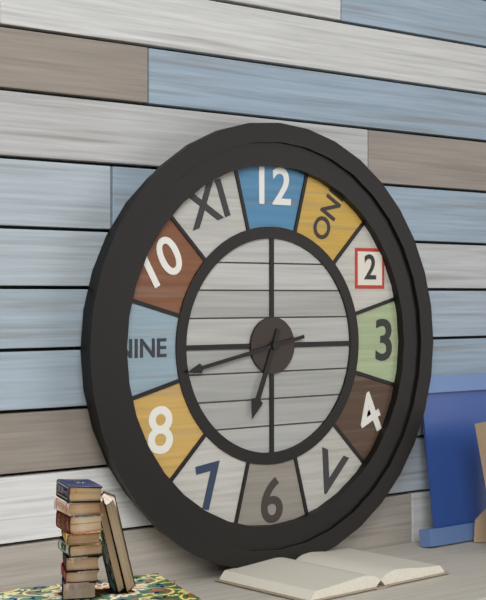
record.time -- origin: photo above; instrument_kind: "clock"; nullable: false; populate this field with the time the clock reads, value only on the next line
6:43
